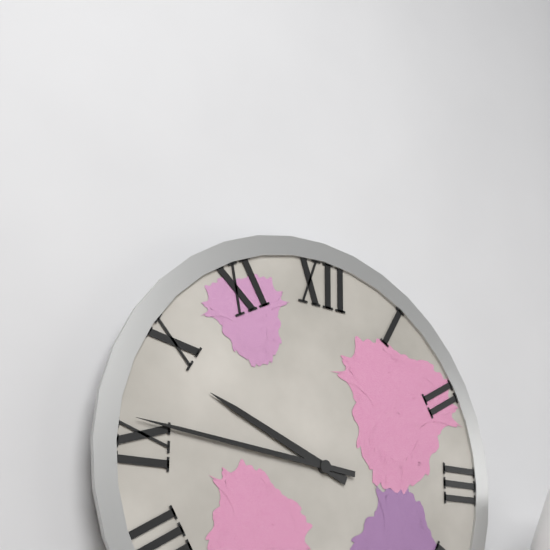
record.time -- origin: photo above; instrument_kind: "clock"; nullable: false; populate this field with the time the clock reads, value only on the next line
9:46
